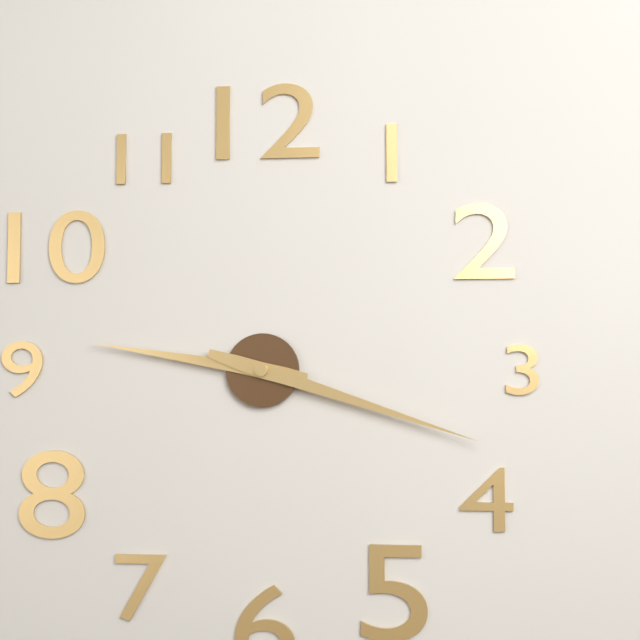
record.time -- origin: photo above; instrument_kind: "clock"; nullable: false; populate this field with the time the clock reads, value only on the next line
9:18
